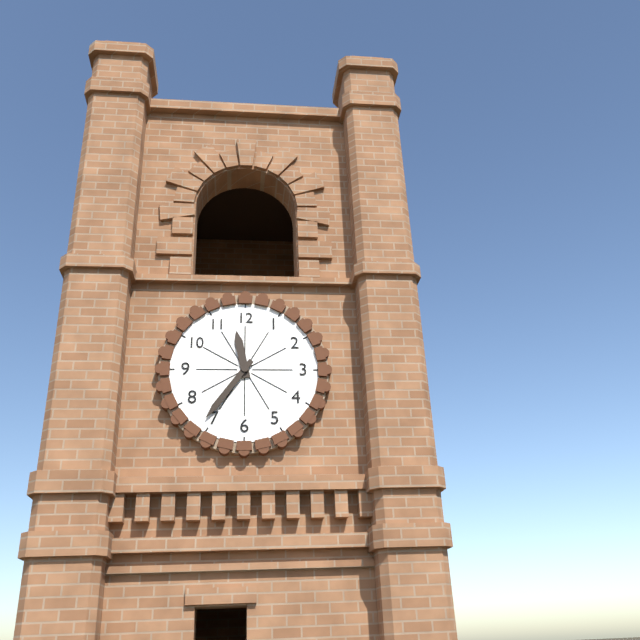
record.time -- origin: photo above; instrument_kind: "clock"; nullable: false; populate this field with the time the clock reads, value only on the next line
11:36
